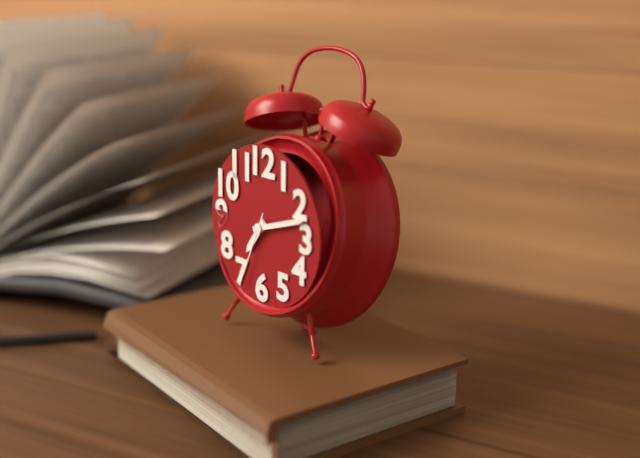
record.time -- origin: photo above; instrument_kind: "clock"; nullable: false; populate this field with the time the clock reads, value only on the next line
7:12:34
